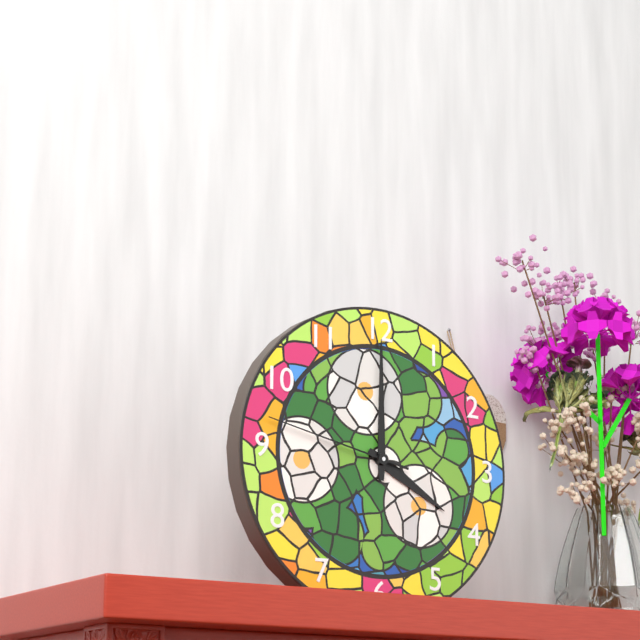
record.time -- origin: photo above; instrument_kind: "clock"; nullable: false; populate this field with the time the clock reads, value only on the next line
4:00:47
